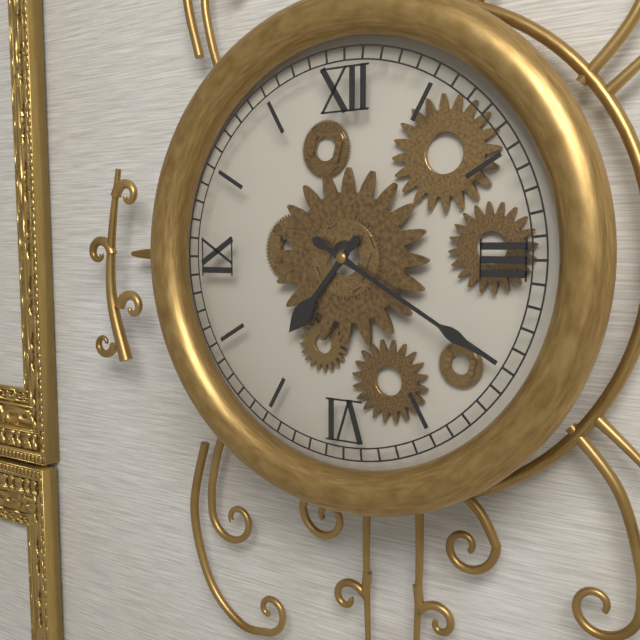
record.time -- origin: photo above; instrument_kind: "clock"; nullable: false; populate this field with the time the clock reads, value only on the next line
7:20
